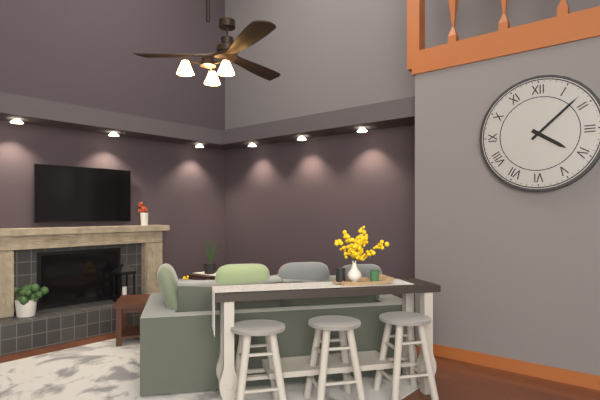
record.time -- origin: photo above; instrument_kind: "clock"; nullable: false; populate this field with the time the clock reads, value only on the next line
4:08
